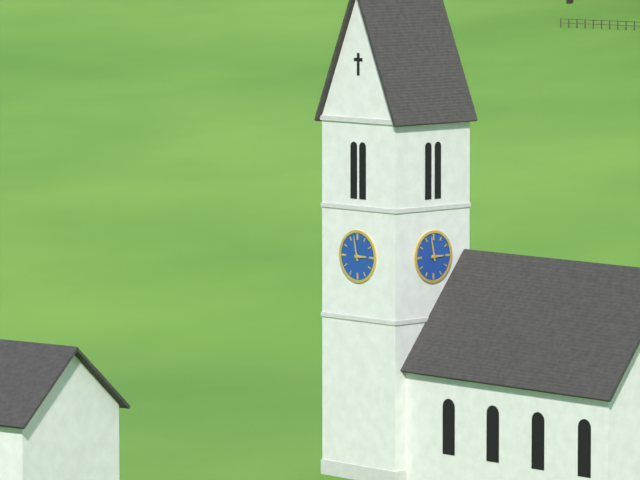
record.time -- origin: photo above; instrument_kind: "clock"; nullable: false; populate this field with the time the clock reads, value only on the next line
2:58
